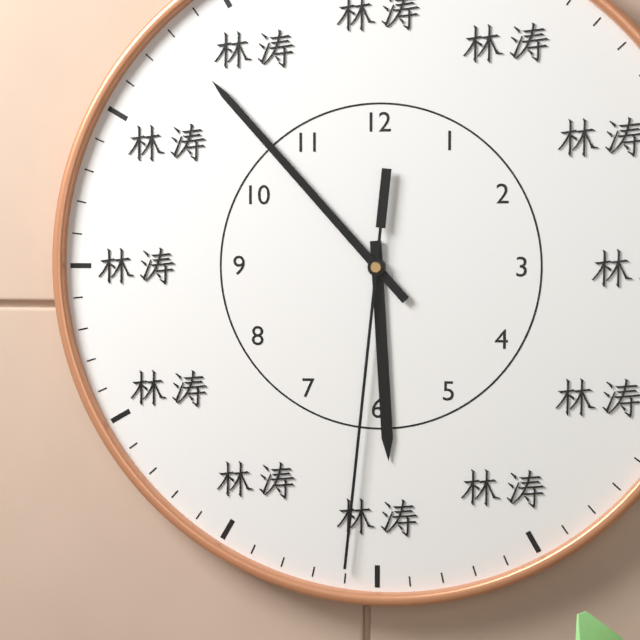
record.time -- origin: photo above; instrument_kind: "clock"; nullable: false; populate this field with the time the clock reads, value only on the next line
5:53:31
